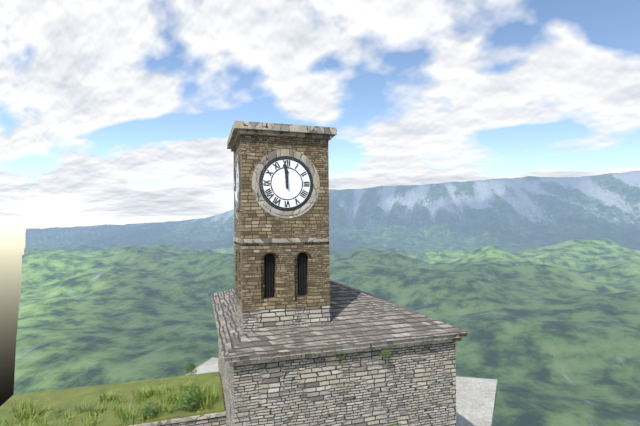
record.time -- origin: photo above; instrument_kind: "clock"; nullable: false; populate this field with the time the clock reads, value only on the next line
11:59
